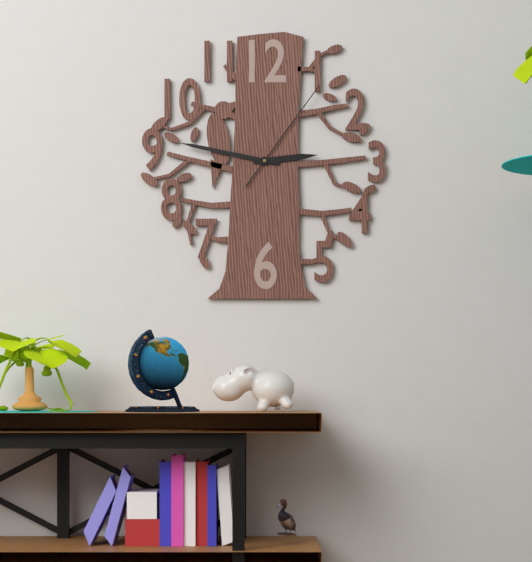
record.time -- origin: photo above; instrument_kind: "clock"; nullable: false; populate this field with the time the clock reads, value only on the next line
2:47:06
